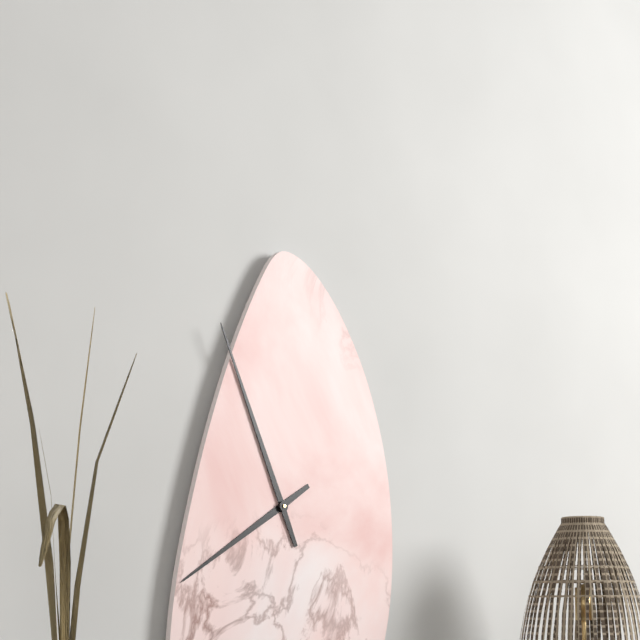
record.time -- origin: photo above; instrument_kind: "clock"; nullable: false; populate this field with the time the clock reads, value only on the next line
7:56
